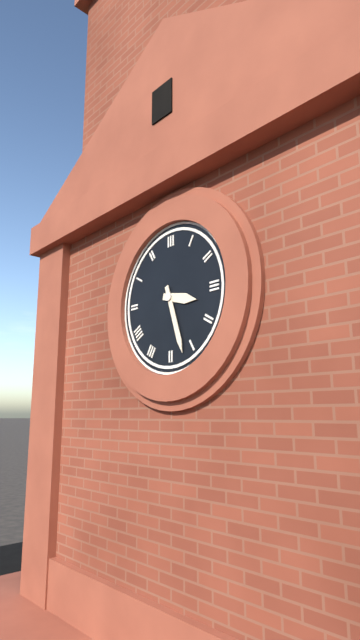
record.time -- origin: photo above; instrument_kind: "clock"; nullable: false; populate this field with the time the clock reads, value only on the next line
3:27
